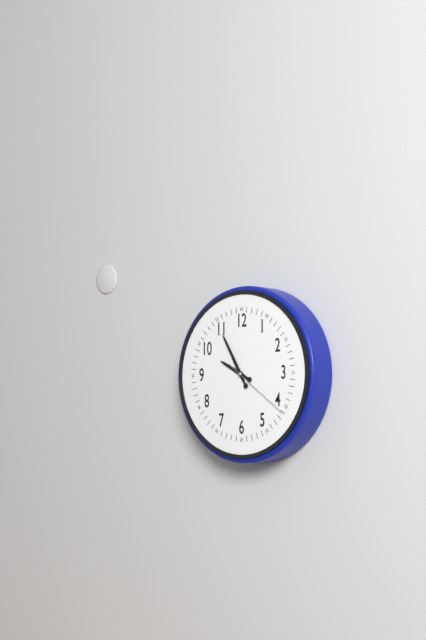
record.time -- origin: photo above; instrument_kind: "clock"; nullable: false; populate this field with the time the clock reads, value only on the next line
9:55:21
